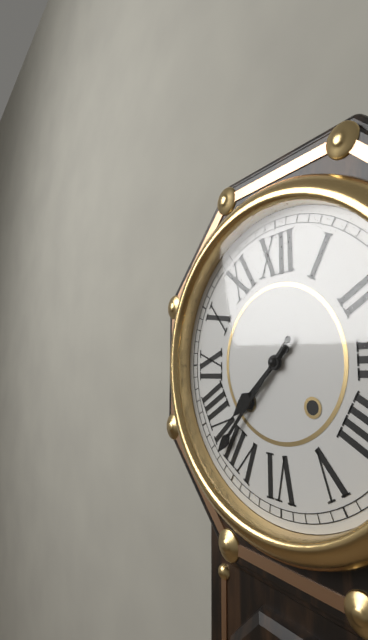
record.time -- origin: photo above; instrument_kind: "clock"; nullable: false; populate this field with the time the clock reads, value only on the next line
7:37
